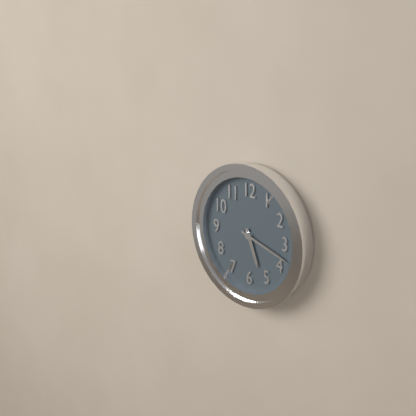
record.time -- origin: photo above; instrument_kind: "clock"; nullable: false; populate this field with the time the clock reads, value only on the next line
5:18
